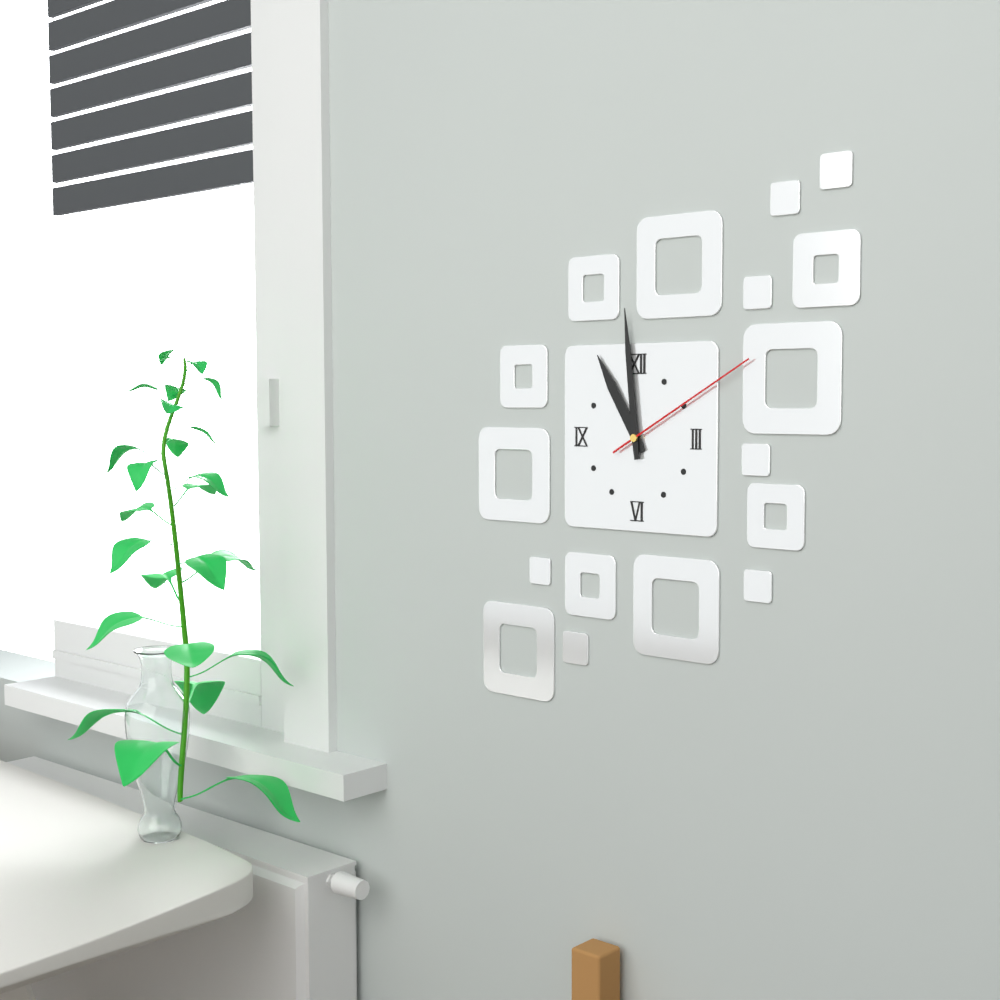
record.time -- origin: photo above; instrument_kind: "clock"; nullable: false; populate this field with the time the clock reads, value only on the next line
10:59:10
